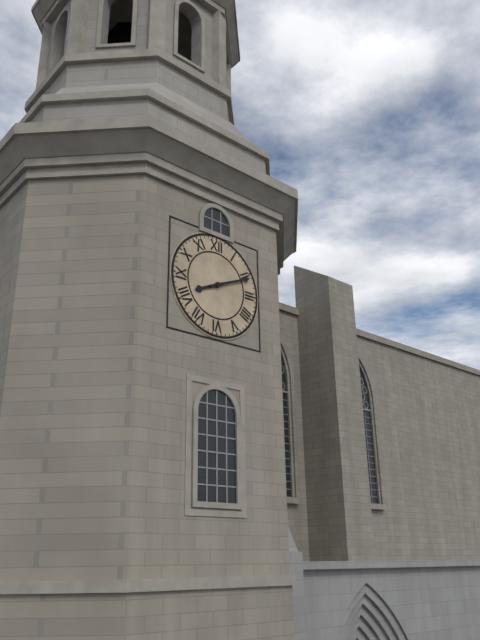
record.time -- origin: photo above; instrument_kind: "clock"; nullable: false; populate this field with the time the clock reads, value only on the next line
8:11
